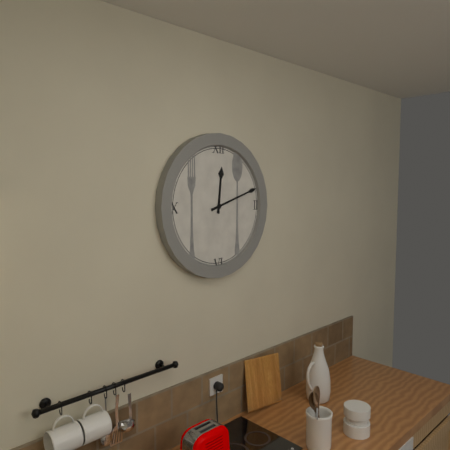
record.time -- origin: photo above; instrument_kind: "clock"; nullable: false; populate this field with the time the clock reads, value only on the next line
12:12
